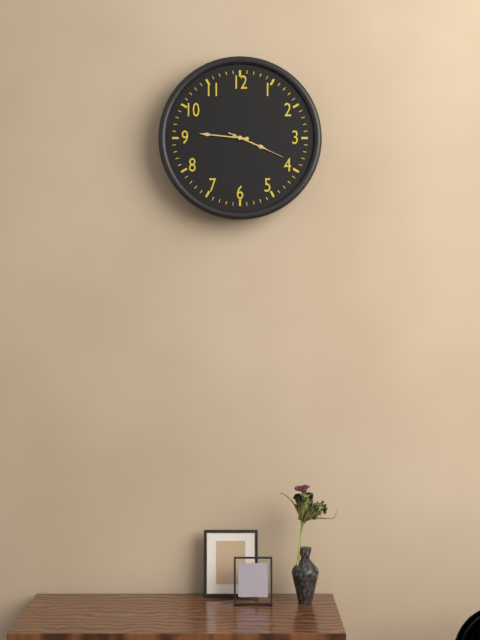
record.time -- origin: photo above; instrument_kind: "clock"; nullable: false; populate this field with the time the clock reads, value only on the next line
3:46:19
